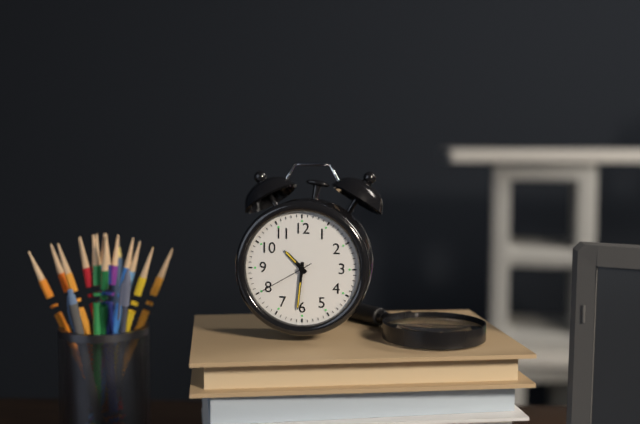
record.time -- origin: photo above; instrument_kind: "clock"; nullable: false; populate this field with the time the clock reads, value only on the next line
10:31:40
